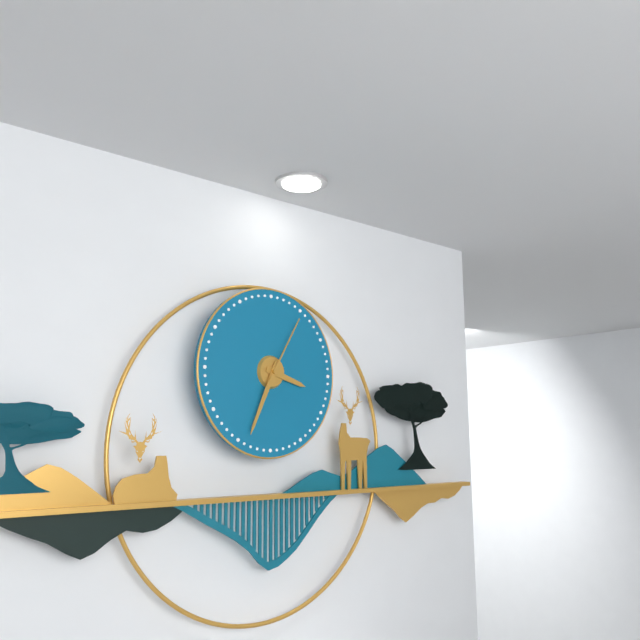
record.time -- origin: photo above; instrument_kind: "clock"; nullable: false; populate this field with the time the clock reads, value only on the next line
3:34:05
